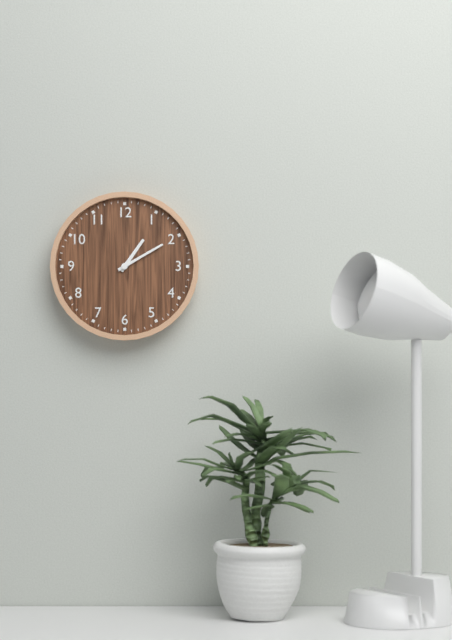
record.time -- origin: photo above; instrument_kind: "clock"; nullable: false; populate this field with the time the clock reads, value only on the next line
1:10
